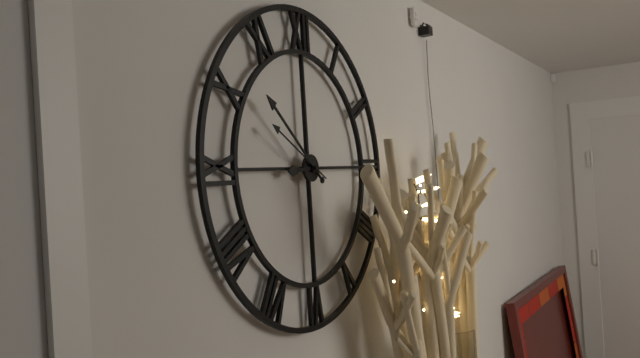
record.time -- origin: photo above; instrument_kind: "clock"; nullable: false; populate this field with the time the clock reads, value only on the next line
8:52:50
